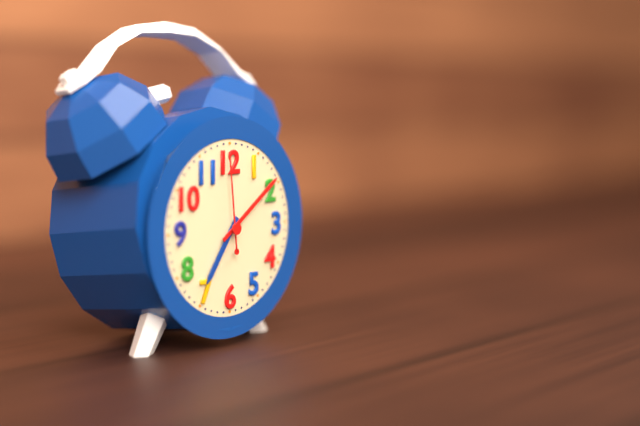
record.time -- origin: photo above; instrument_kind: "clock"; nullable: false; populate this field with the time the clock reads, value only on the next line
7:09:59
